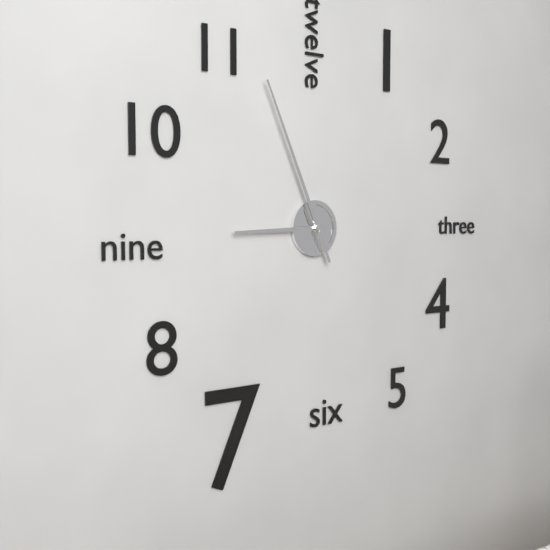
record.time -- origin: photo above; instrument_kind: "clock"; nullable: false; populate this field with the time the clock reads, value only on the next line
8:56
